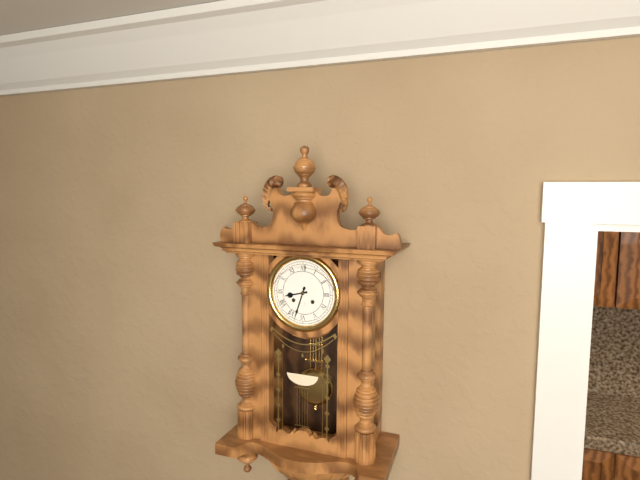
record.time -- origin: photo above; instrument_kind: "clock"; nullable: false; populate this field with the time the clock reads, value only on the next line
8:33
